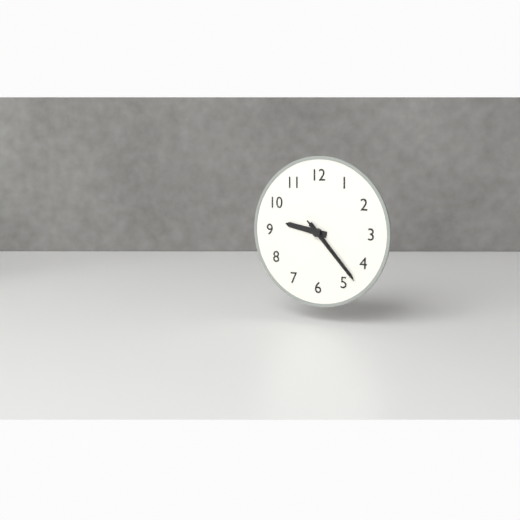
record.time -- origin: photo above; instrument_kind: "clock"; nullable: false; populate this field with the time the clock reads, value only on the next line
9:23:23
